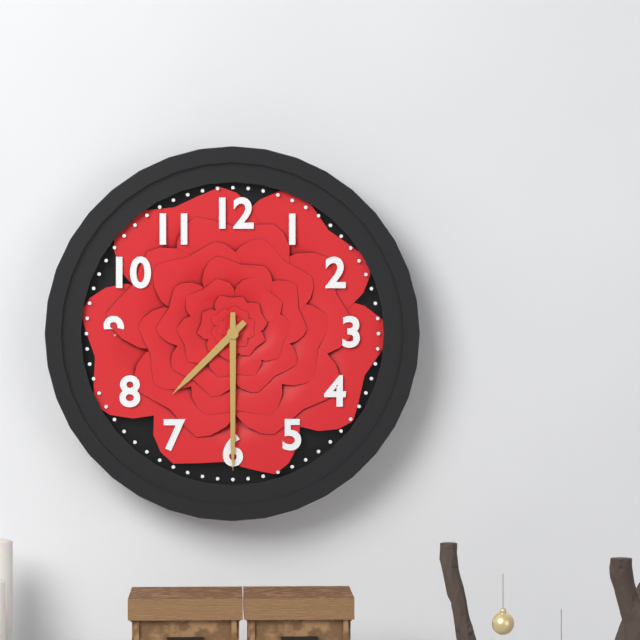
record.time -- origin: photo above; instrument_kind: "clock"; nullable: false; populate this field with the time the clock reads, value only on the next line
7:30
